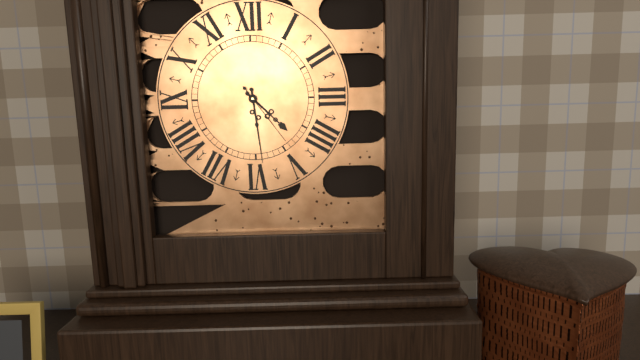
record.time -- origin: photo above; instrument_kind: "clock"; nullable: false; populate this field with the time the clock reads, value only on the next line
4:29:24
